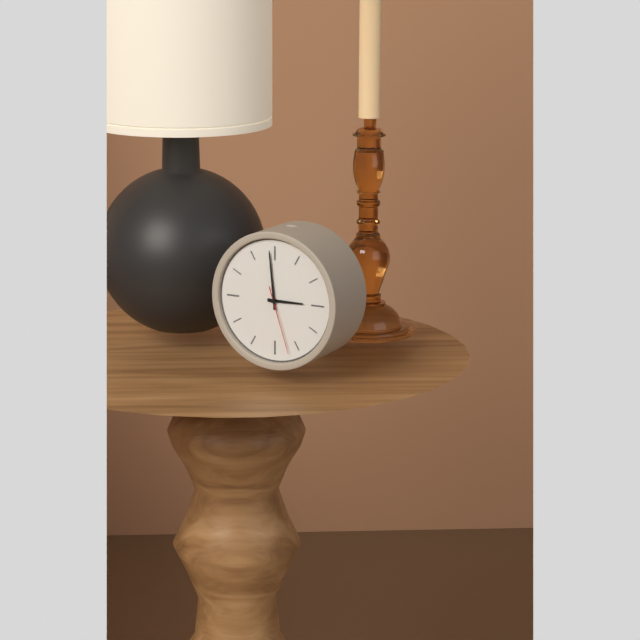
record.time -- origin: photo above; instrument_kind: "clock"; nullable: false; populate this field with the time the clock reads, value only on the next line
2:59:27
